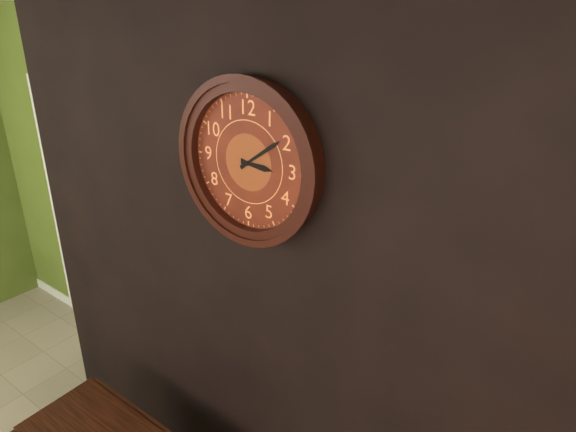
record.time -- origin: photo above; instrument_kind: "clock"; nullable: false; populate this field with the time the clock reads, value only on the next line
3:09
